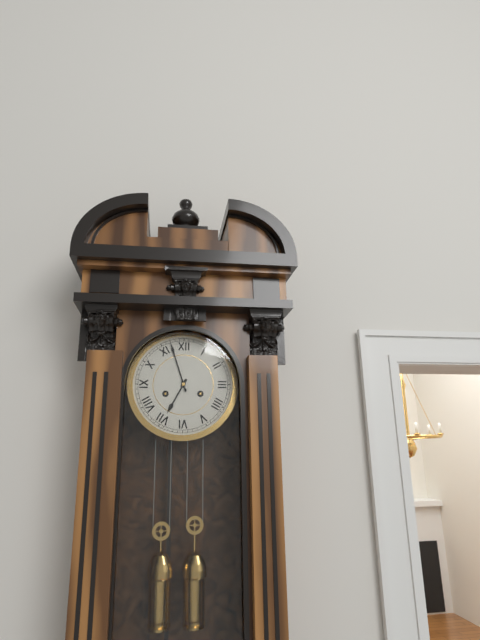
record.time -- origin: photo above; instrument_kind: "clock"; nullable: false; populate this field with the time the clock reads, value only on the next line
6:57
